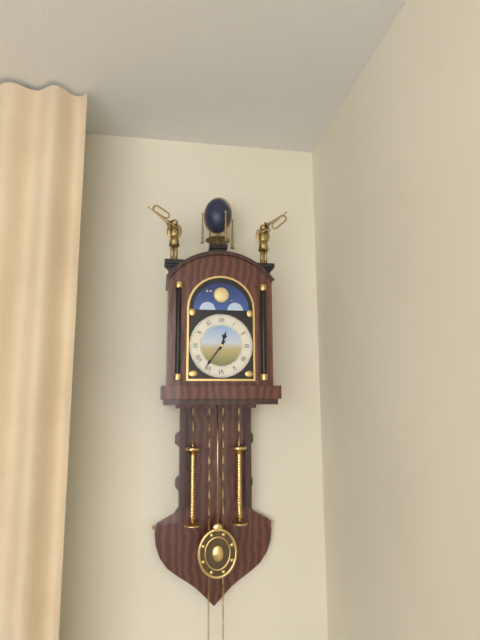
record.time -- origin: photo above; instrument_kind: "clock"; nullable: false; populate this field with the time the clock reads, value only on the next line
12:36
